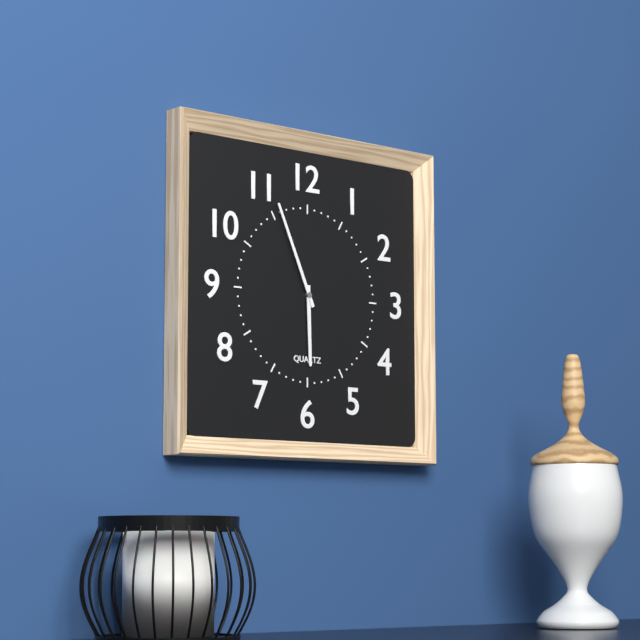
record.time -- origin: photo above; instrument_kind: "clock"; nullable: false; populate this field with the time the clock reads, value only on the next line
5:56
